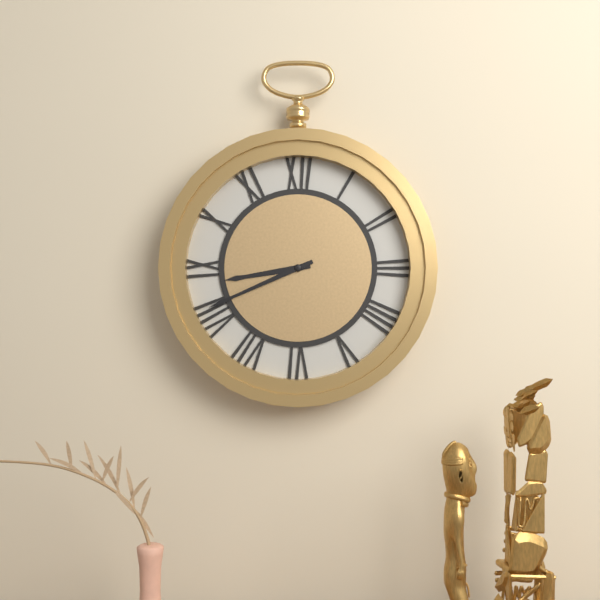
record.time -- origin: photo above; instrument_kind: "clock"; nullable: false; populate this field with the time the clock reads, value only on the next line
8:41
